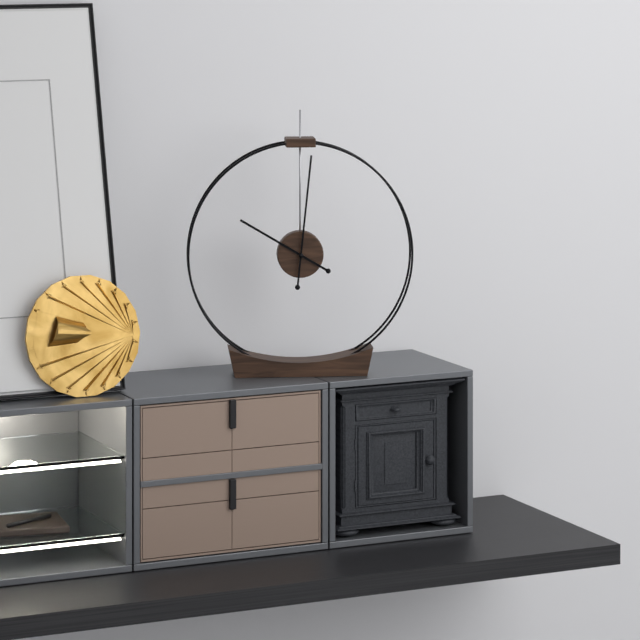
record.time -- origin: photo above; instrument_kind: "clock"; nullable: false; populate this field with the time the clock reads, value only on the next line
10:01
